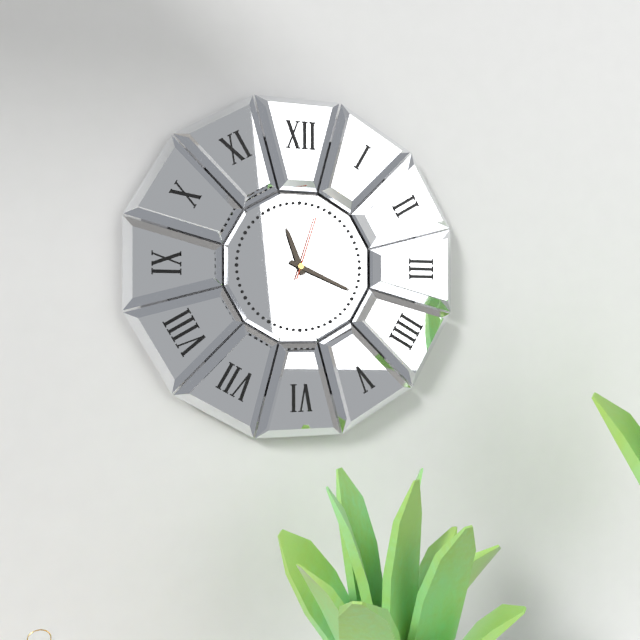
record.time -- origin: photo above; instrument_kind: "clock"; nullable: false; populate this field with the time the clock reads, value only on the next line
11:19:03
